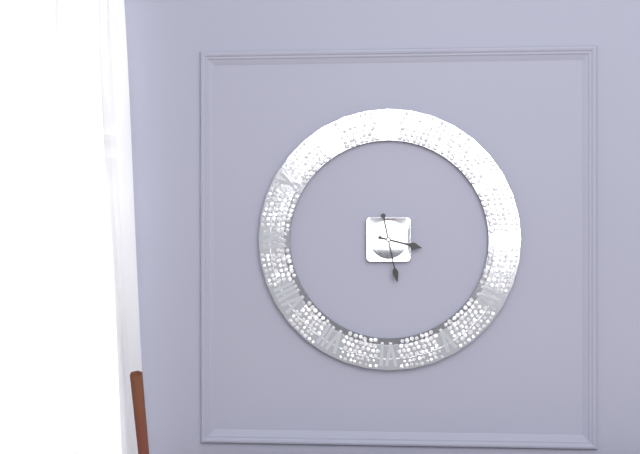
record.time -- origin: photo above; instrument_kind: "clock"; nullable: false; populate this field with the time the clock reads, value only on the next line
3:28
